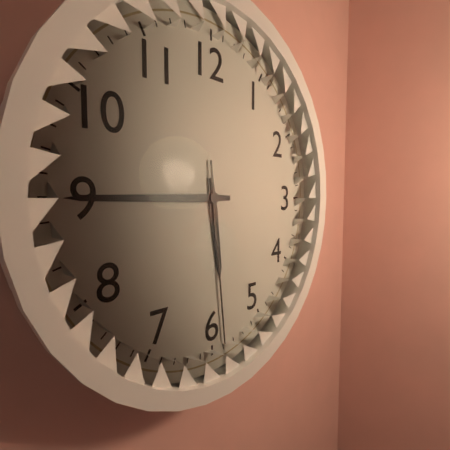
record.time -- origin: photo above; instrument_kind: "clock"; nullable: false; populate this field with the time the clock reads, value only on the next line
5:45:29
